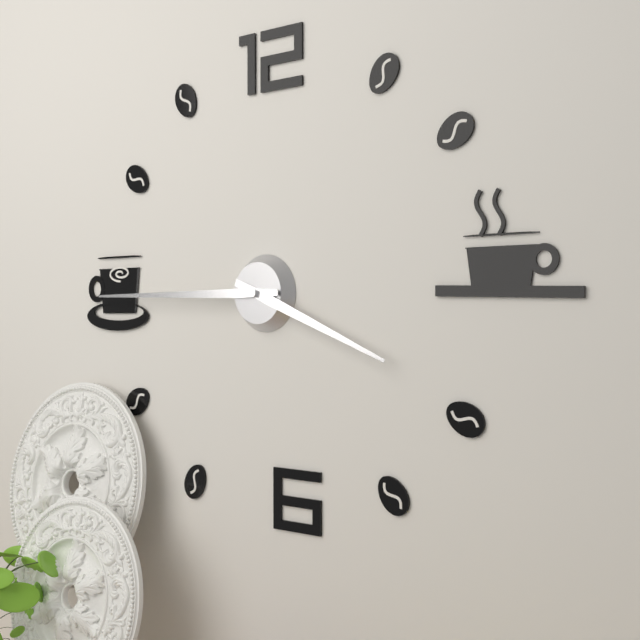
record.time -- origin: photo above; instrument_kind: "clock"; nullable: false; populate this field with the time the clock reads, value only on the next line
3:45
